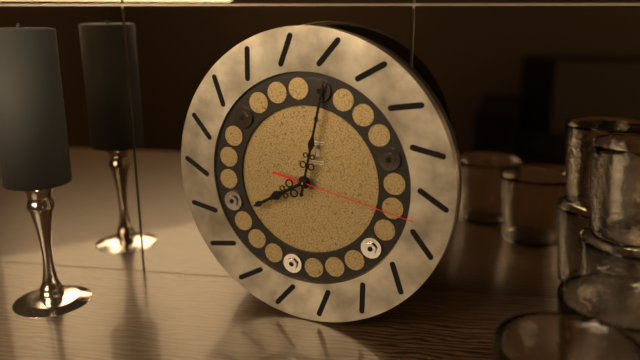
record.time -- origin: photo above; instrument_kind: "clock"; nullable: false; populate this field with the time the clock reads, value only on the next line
8:02:17
